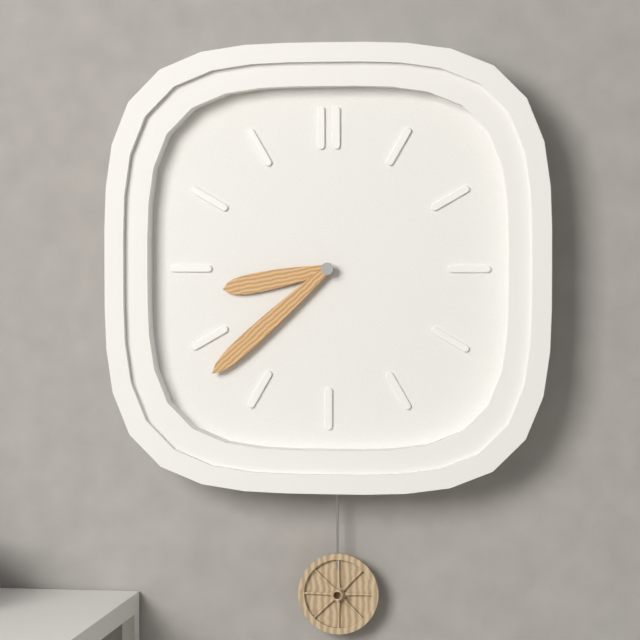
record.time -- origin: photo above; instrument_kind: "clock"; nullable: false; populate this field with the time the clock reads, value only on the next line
8:38
